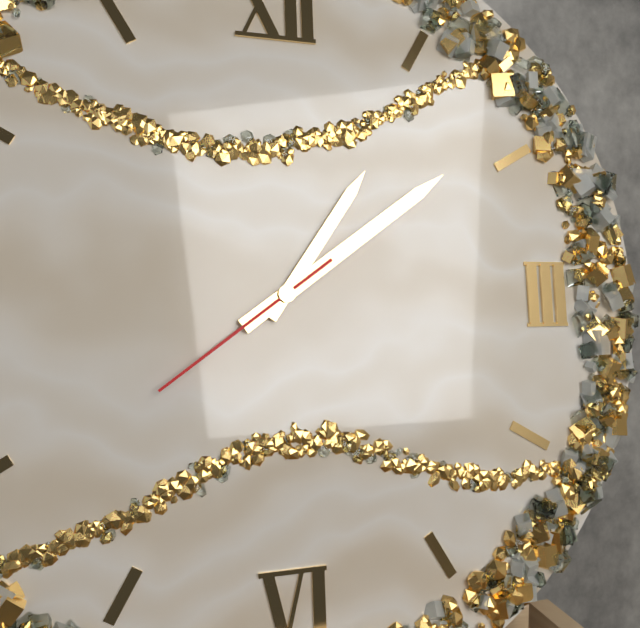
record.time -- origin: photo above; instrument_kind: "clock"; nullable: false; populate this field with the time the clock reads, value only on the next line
1:09:39
